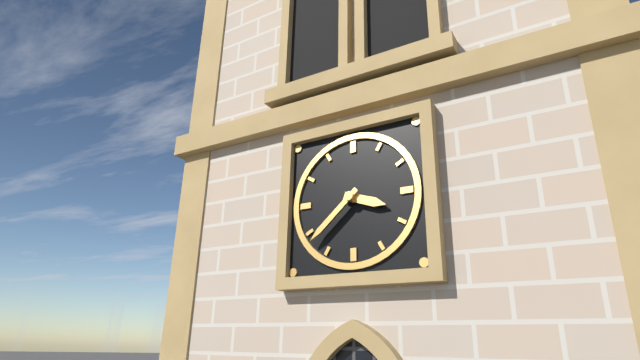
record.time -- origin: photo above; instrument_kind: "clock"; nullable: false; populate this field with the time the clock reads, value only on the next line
3:38
